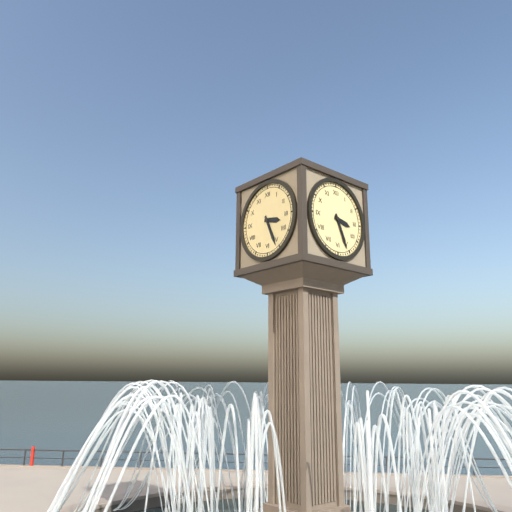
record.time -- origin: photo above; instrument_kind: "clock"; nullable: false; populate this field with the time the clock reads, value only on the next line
3:26
